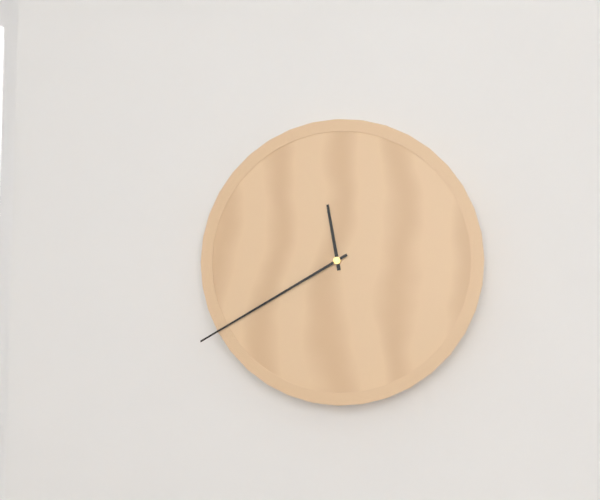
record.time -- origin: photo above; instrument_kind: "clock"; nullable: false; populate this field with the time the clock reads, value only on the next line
11:40
